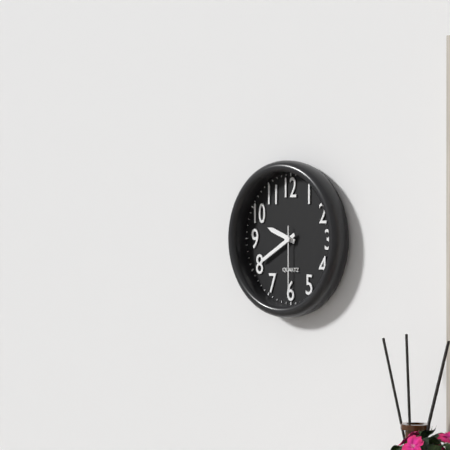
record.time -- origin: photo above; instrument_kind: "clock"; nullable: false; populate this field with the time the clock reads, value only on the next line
9:40:30
